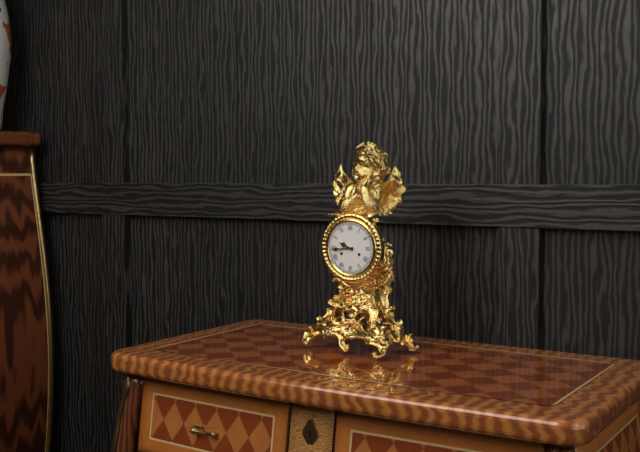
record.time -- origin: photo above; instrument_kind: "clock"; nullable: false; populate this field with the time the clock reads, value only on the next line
9:44
